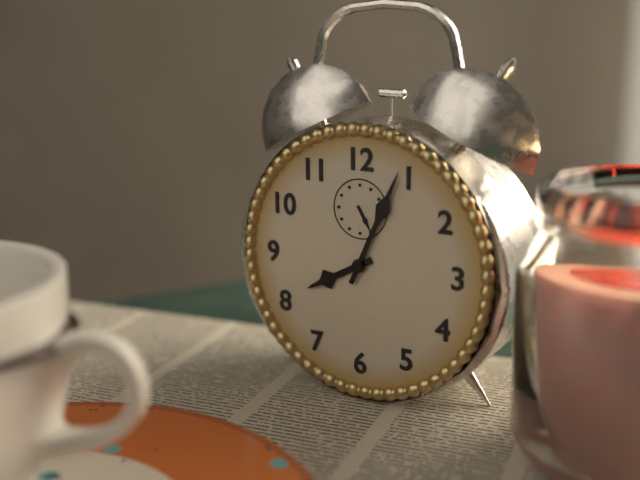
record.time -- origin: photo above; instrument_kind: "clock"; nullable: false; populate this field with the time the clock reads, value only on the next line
8:04
